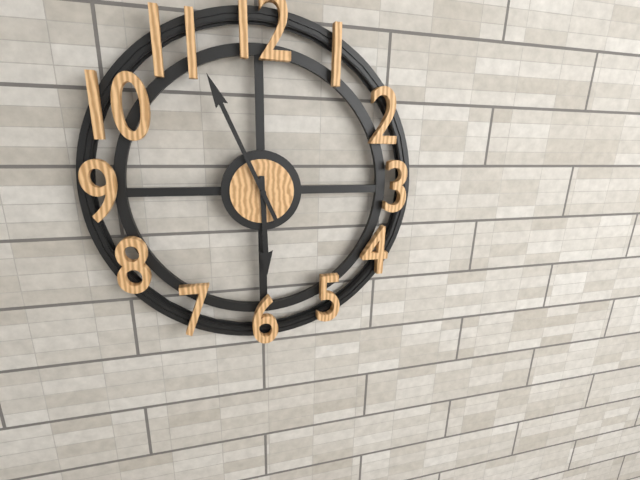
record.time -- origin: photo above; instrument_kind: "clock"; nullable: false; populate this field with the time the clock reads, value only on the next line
5:56
